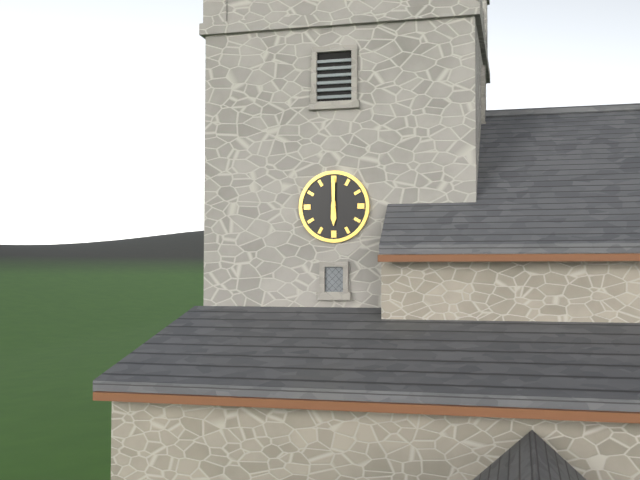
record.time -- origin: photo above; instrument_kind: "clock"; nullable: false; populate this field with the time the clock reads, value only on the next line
6:00
